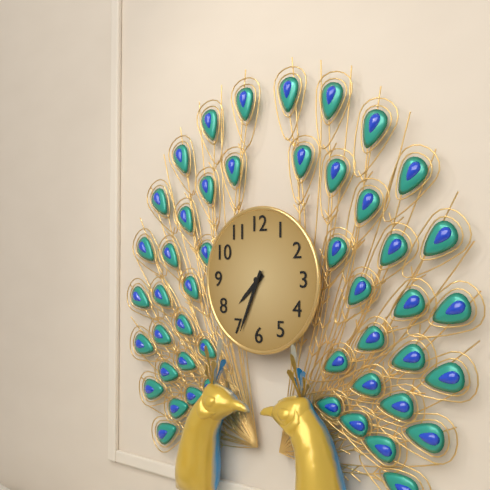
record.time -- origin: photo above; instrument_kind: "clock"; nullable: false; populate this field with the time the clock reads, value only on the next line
7:34
